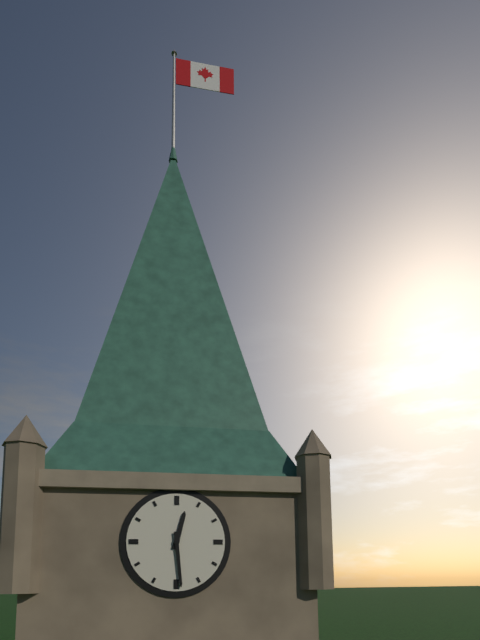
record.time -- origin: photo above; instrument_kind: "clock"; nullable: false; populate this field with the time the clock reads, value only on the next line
12:29
